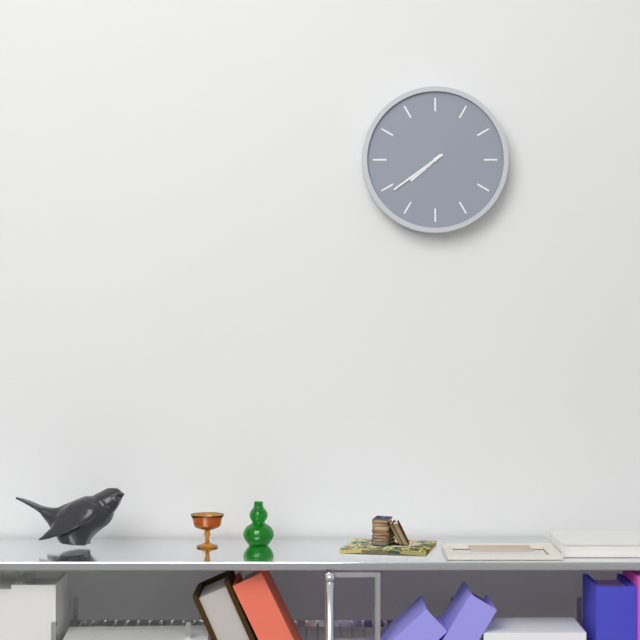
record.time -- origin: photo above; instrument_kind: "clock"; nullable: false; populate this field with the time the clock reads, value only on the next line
7:39
